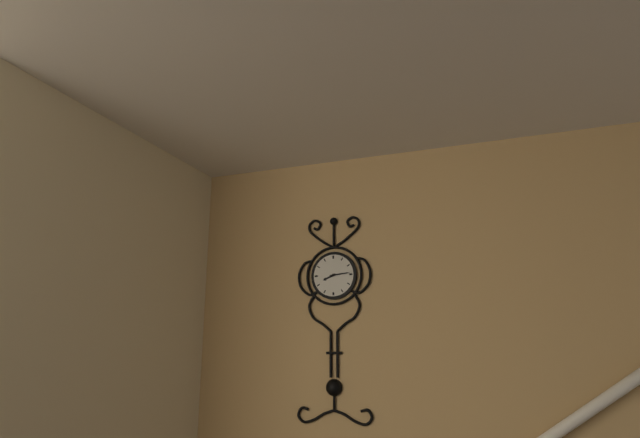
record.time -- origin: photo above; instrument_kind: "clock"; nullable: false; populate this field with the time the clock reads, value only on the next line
8:14
